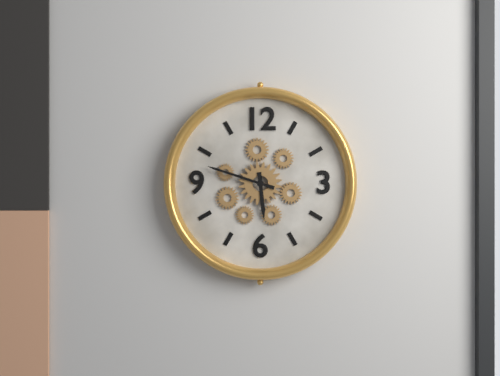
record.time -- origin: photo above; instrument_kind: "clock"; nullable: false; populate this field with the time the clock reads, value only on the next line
5:48
